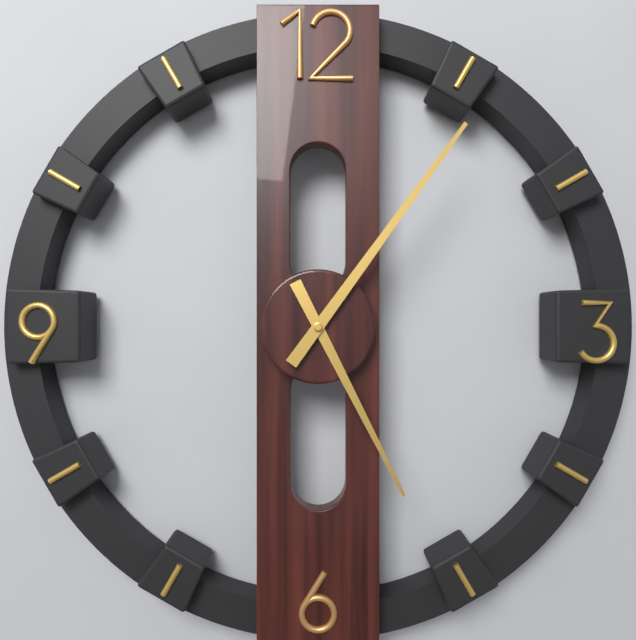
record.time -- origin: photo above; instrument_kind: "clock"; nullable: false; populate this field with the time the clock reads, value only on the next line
5:06
